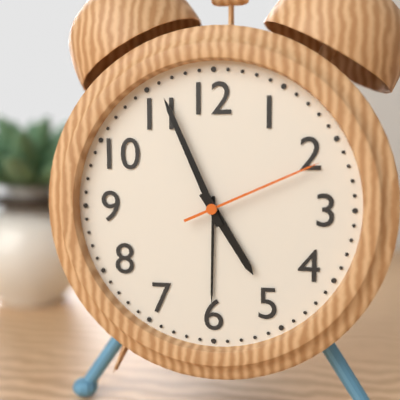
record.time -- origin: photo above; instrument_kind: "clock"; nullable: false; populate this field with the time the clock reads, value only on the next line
4:56:11
